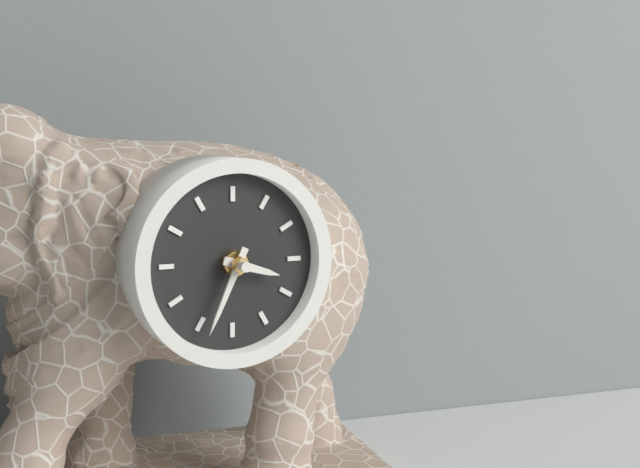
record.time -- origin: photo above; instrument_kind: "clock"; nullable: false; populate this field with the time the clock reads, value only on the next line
3:34
